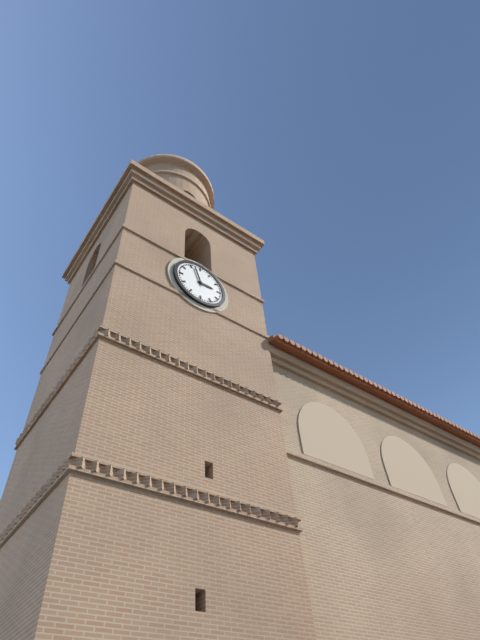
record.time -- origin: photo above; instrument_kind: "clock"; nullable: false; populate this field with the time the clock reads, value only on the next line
2:57
